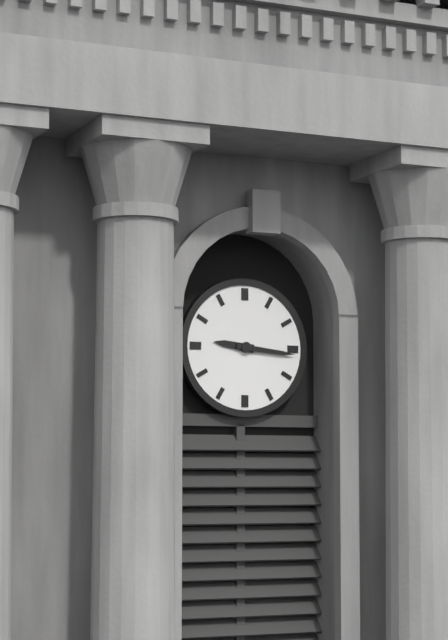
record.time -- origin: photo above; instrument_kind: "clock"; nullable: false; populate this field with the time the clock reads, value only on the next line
9:16
